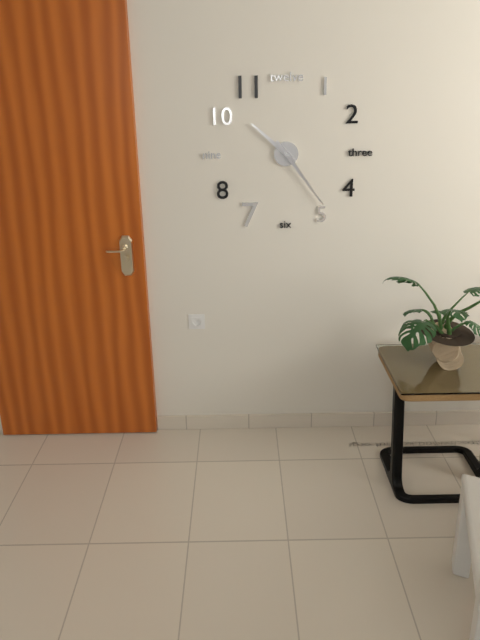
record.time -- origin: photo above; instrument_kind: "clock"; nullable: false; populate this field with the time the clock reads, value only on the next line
10:24
